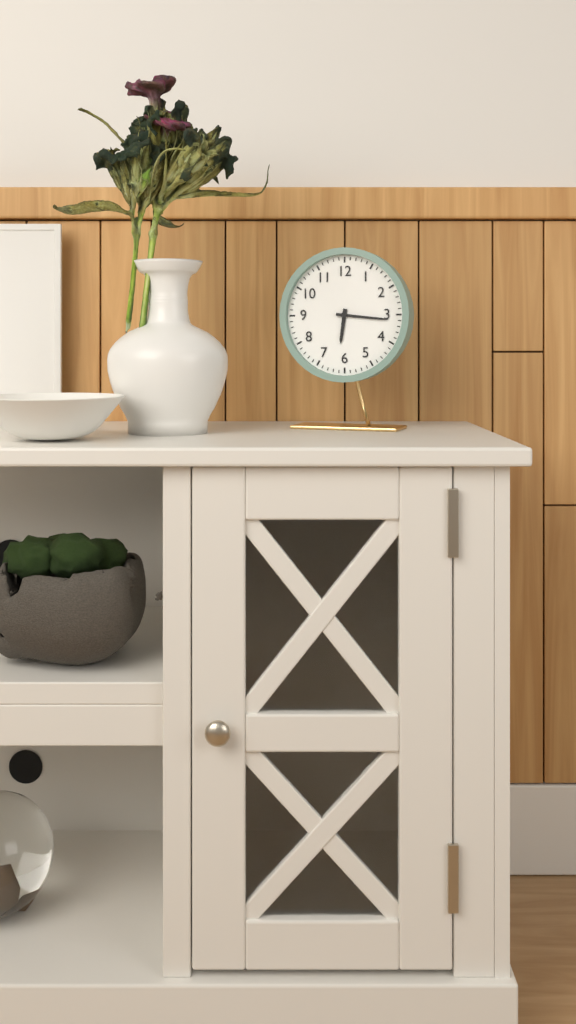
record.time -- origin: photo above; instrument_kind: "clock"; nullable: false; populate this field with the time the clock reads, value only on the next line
6:16
